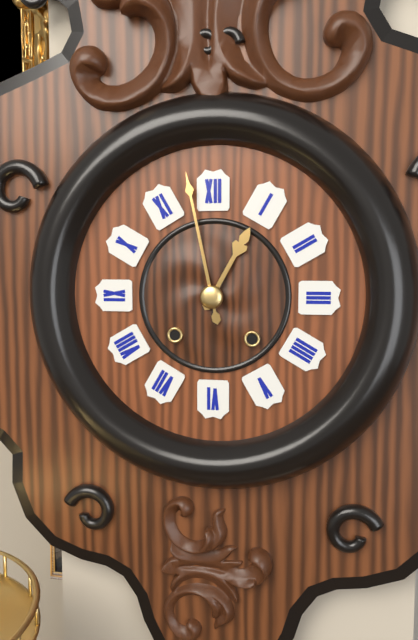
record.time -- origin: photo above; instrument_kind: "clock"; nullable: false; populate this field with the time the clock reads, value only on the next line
12:58
